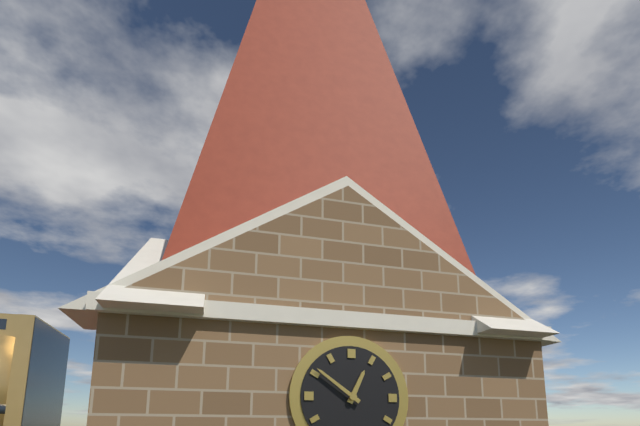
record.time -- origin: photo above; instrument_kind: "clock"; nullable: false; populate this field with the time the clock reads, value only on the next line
12:51
